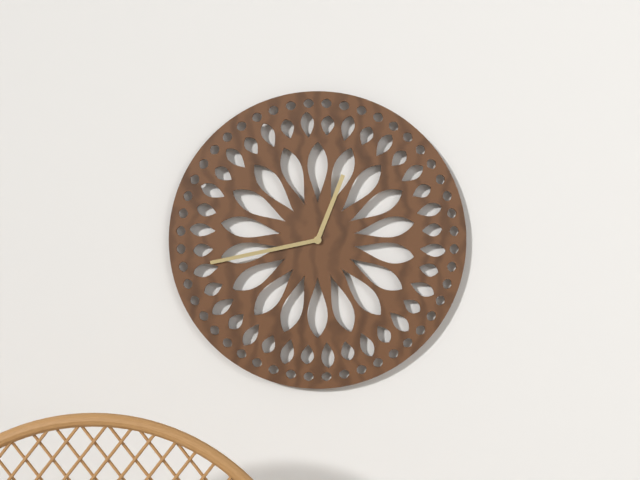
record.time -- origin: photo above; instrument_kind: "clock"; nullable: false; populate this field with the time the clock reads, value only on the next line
12:43
